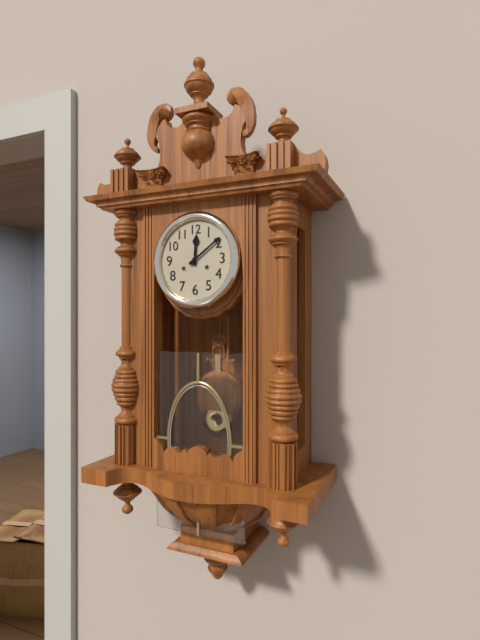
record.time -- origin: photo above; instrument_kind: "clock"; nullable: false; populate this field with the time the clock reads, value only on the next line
12:09
